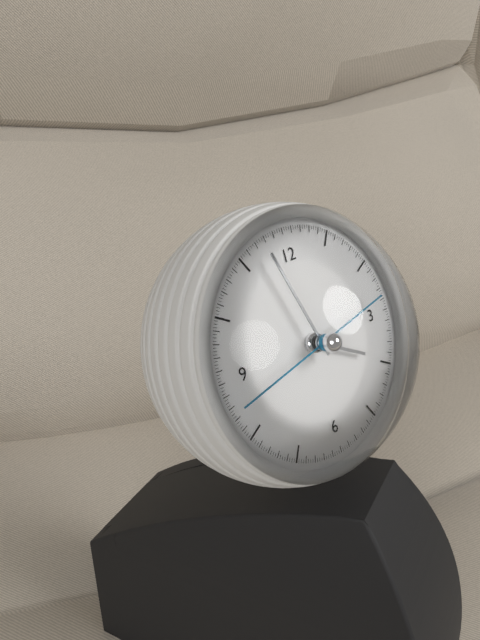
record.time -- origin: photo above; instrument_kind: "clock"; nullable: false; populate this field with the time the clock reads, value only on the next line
3:57:43
